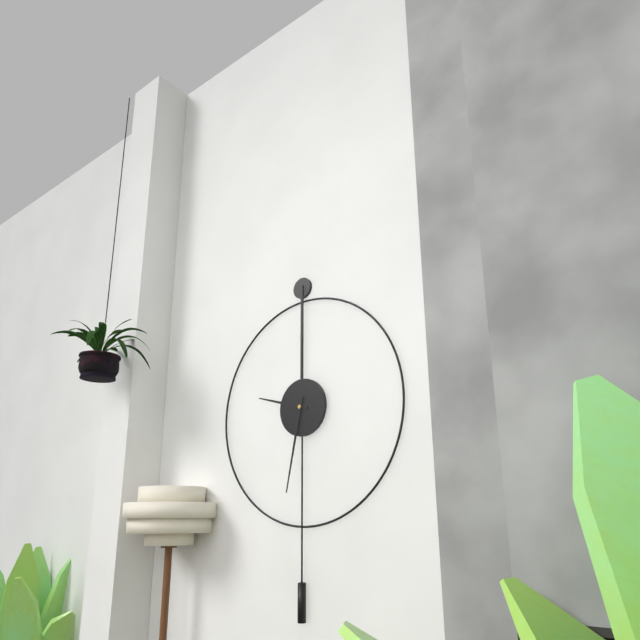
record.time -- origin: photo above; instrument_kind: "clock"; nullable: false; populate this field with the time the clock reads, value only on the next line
9:32
